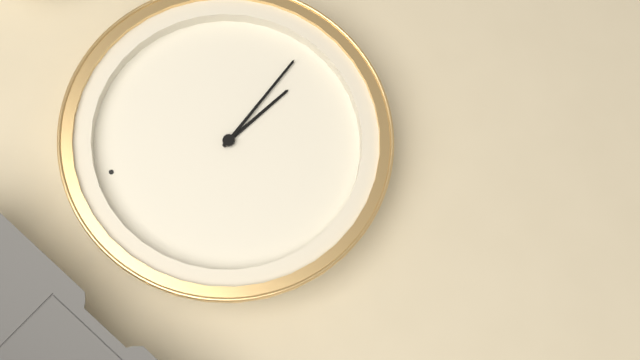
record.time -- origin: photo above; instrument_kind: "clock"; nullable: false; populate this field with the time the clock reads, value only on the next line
4:20
